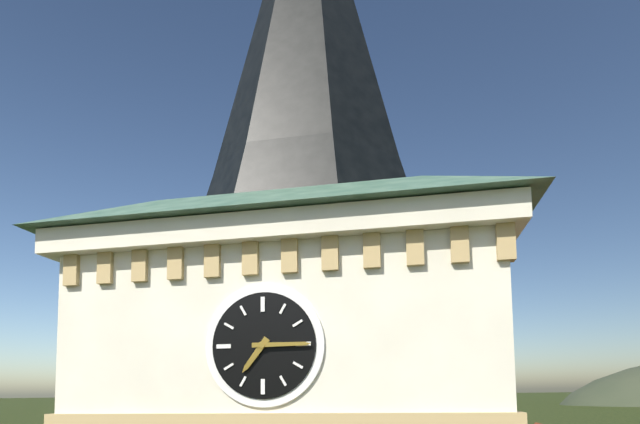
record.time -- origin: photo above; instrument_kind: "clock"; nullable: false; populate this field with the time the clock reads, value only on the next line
7:15
